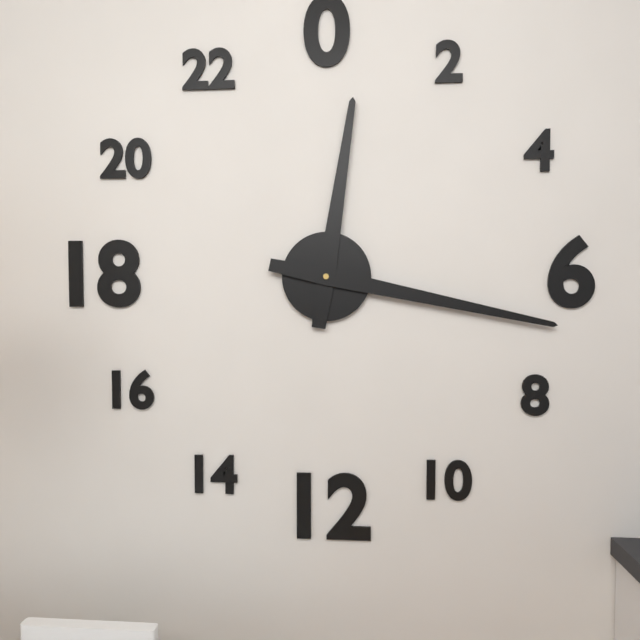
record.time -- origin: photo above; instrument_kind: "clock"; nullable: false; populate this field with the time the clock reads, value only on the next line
12:17
